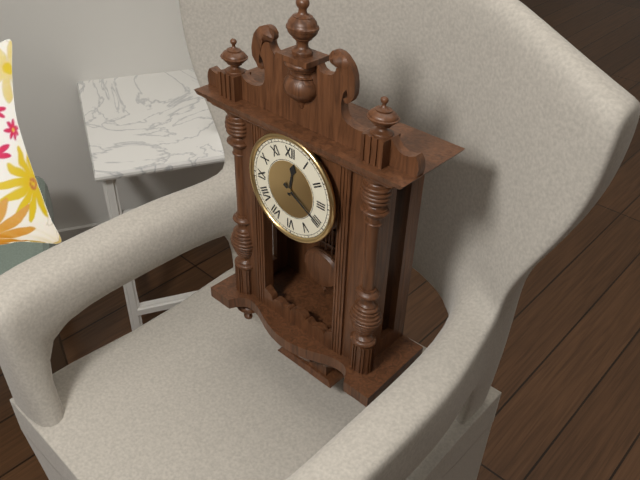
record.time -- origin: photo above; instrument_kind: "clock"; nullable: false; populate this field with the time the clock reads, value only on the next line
12:20
